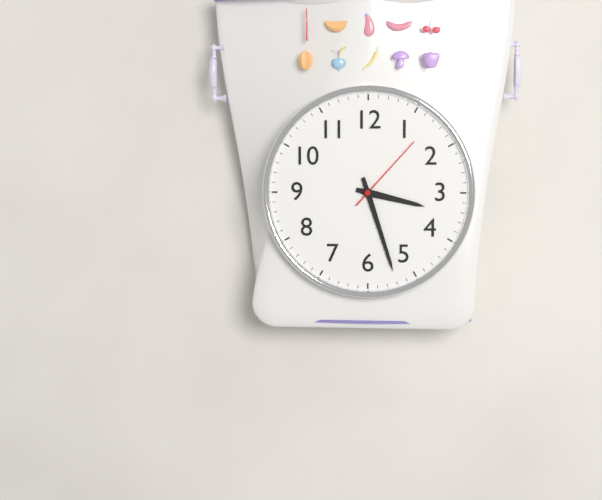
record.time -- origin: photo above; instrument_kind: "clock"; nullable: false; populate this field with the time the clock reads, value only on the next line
3:27:07
